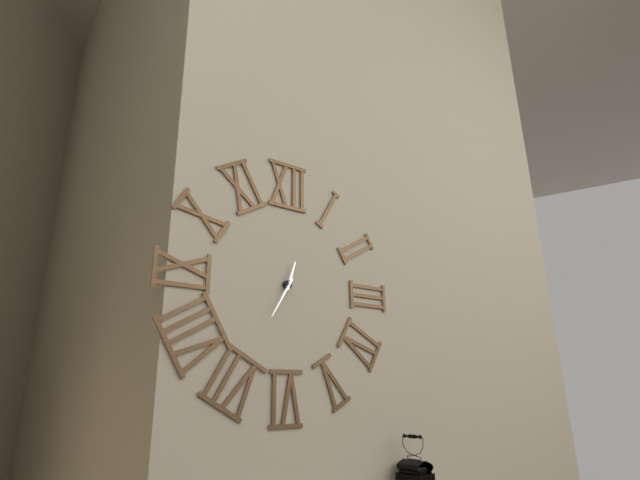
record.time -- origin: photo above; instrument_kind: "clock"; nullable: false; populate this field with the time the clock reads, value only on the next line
12:35
